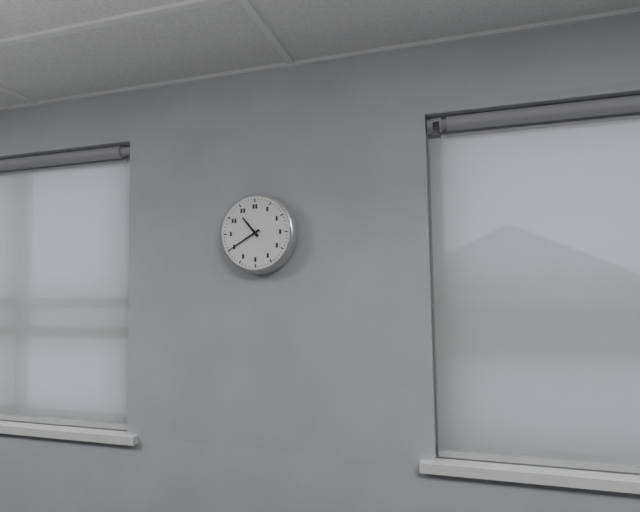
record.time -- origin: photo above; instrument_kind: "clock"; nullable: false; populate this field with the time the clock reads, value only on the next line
10:40
